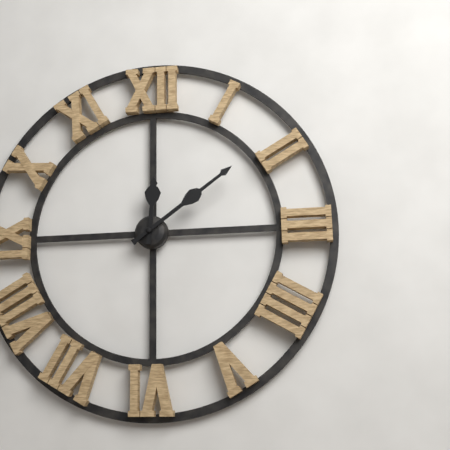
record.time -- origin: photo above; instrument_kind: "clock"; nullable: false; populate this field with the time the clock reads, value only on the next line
12:09
